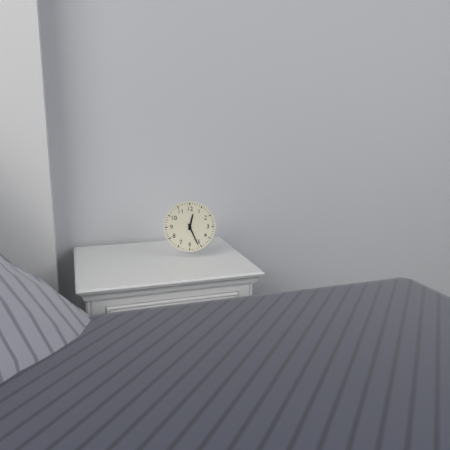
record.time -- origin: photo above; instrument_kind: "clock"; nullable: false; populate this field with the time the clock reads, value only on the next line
12:26
